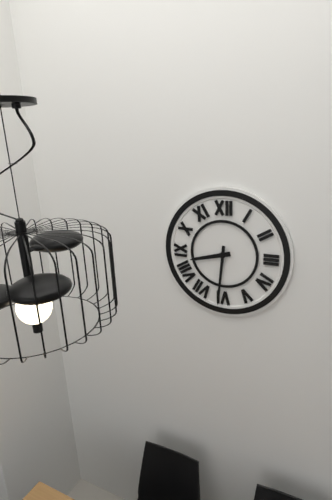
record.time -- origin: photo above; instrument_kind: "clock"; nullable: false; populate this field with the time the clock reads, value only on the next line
8:31
